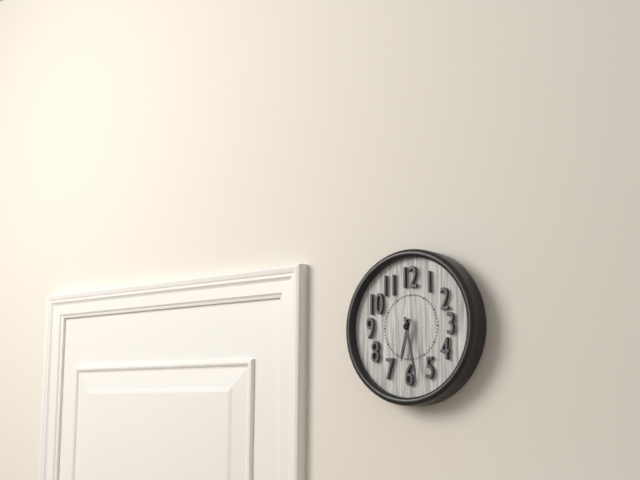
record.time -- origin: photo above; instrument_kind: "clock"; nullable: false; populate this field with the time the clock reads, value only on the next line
6:28
